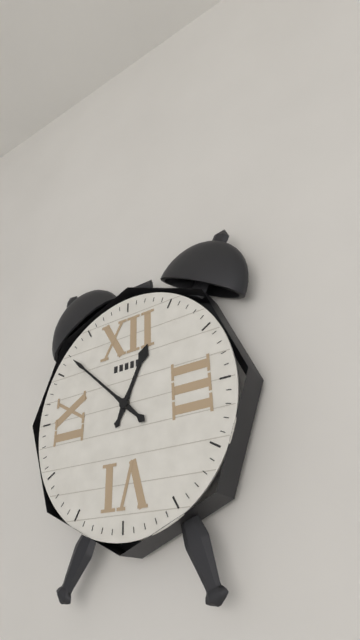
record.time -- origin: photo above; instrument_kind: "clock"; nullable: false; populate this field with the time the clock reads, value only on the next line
12:52
